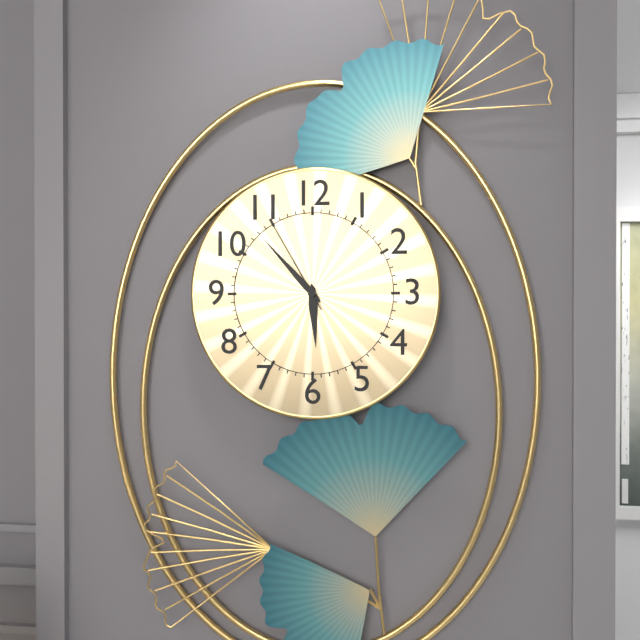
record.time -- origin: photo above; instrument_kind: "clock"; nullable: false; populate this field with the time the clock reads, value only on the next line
5:53:55
